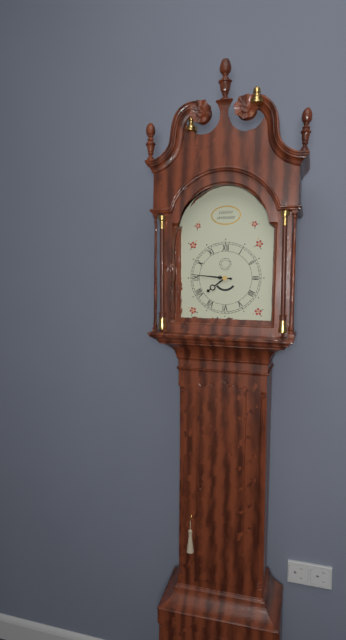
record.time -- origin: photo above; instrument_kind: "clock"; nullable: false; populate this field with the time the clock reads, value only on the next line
7:46
